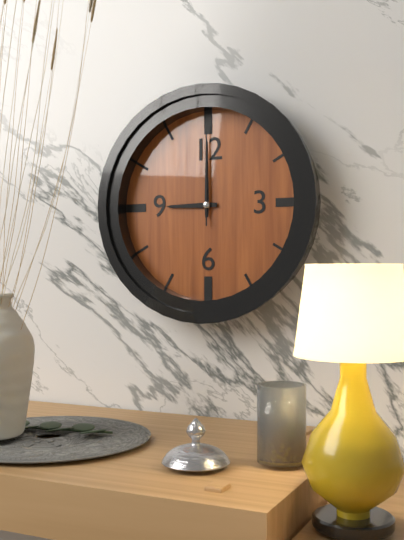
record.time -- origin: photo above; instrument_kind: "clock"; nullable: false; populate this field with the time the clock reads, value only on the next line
9:00:00
